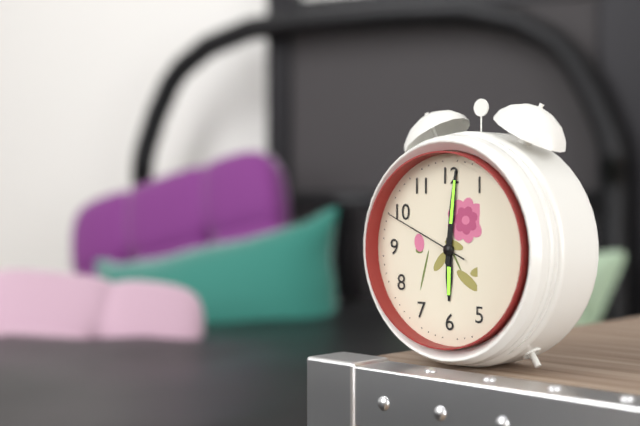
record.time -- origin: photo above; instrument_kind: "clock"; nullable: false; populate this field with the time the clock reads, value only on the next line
6:01:49
